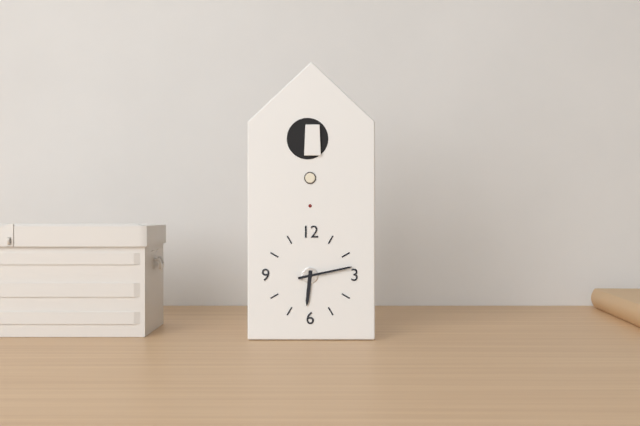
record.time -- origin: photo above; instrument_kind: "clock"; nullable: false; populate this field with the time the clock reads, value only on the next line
6:13
